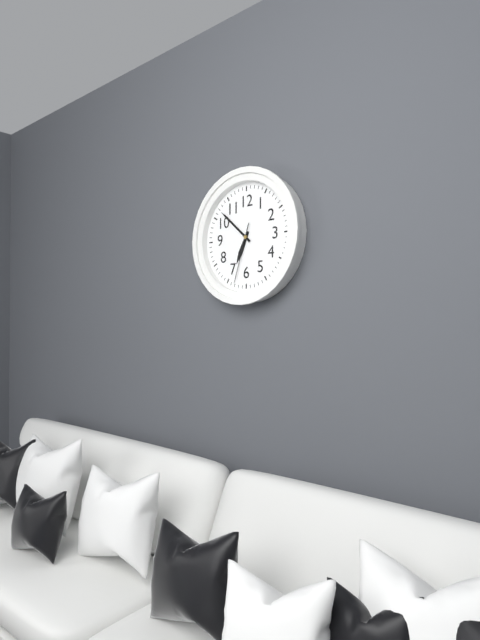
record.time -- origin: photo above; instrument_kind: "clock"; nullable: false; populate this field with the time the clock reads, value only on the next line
6:52:33
